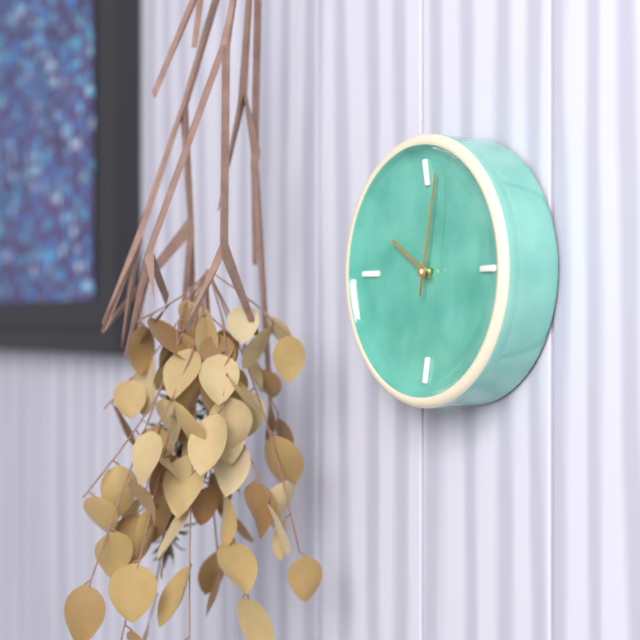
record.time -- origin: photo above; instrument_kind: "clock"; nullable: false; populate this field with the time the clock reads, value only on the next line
10:02
